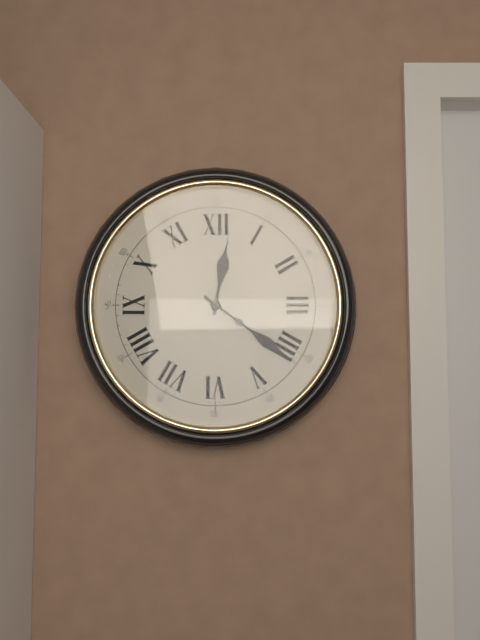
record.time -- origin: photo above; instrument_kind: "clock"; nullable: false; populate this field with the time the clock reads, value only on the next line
12:21
